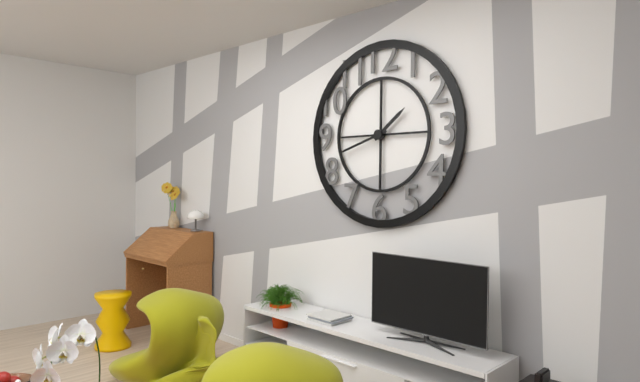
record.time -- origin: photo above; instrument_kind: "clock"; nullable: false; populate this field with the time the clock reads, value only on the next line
1:42
